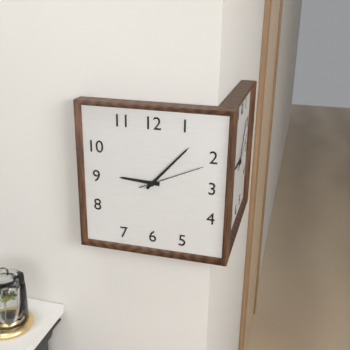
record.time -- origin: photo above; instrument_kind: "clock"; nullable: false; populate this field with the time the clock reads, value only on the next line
9:07:11
